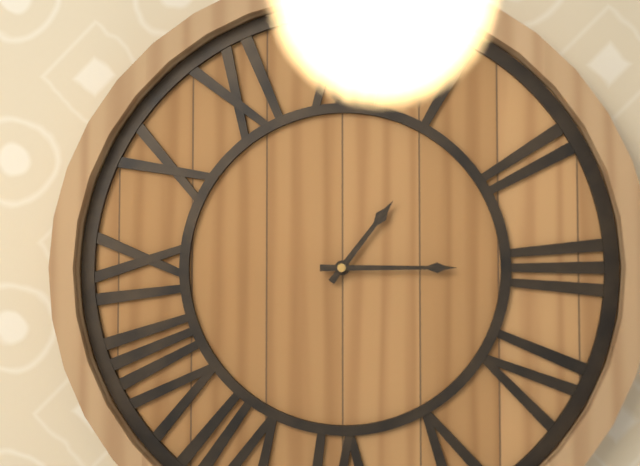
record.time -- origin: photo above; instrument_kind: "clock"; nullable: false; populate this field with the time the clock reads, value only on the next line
1:15
